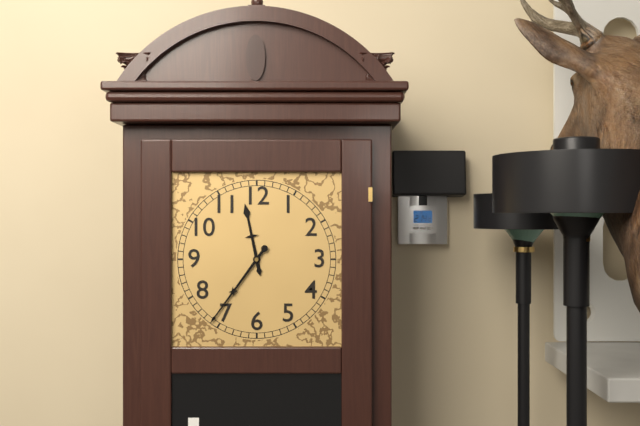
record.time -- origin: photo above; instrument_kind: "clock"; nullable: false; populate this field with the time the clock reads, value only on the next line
11:36
